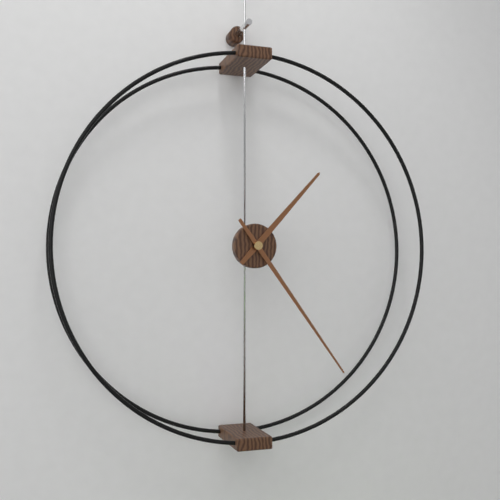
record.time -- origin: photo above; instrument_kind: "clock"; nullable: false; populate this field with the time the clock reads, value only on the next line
1:24
